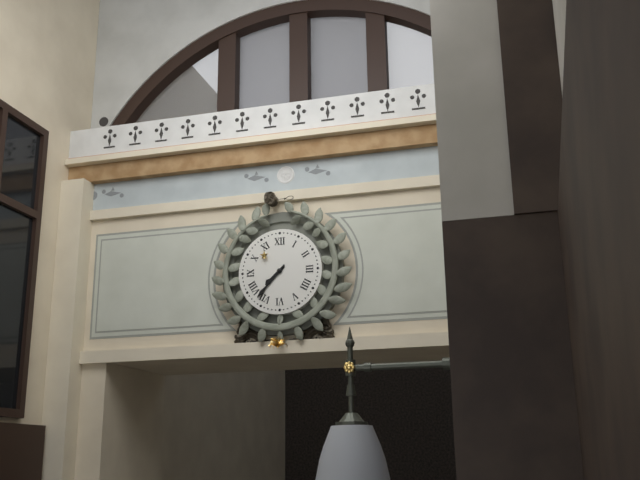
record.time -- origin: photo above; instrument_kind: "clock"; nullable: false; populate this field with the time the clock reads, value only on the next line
7:37
